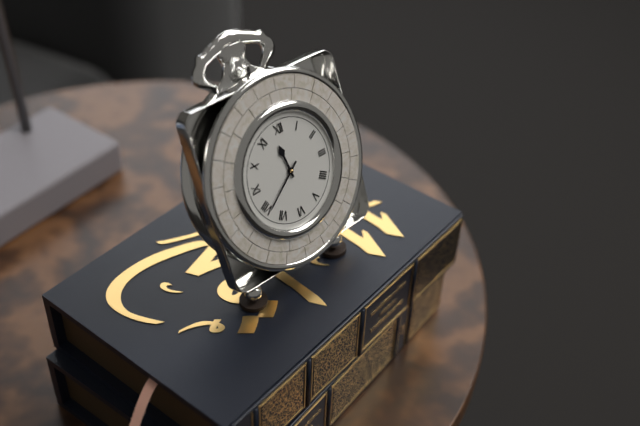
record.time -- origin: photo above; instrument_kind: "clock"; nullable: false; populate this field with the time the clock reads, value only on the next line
11:39
